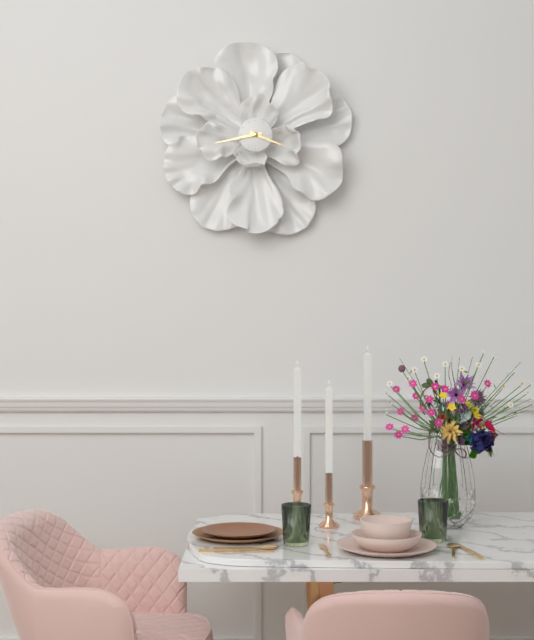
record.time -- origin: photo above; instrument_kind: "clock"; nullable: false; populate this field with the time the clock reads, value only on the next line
3:43
